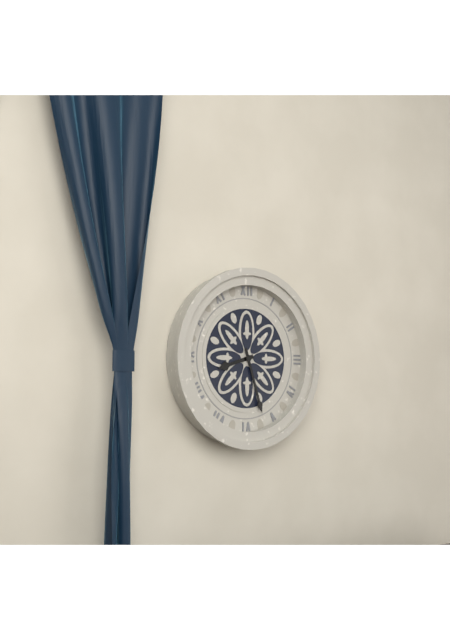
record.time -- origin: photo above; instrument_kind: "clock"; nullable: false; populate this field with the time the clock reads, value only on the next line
8:27
